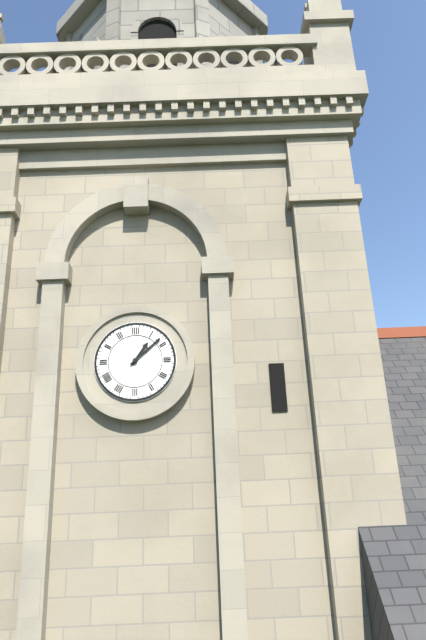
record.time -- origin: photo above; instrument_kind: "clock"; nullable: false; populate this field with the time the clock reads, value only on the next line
1:08
